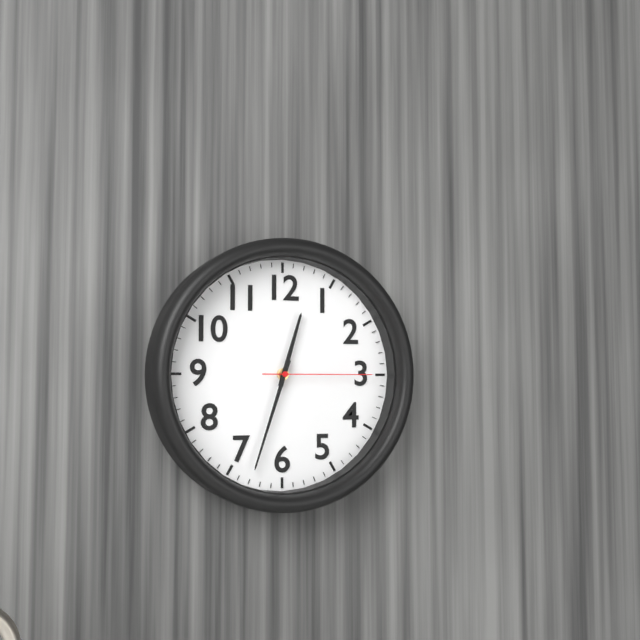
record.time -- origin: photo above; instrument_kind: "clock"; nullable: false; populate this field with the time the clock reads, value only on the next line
12:33:15
